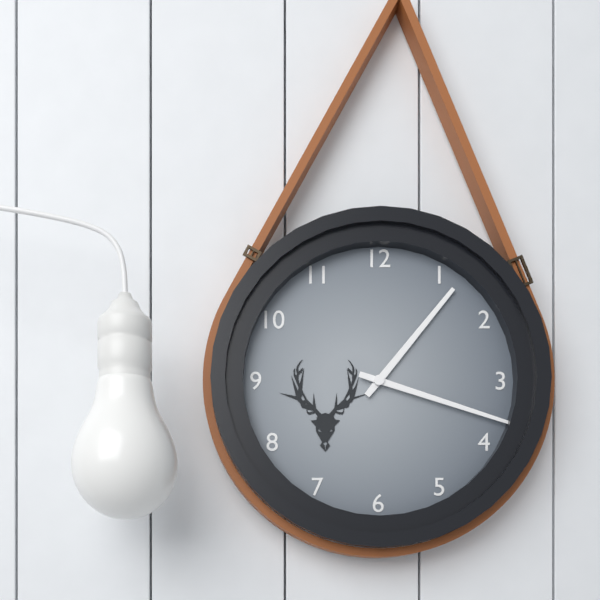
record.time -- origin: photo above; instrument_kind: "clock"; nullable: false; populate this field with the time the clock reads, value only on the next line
1:18
